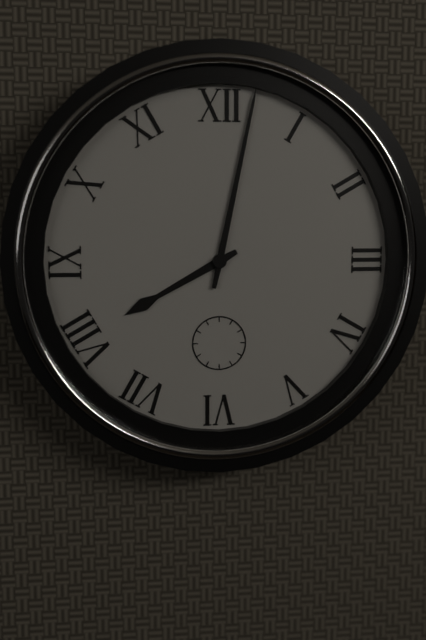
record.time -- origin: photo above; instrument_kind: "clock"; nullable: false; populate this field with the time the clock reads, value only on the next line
8:02
